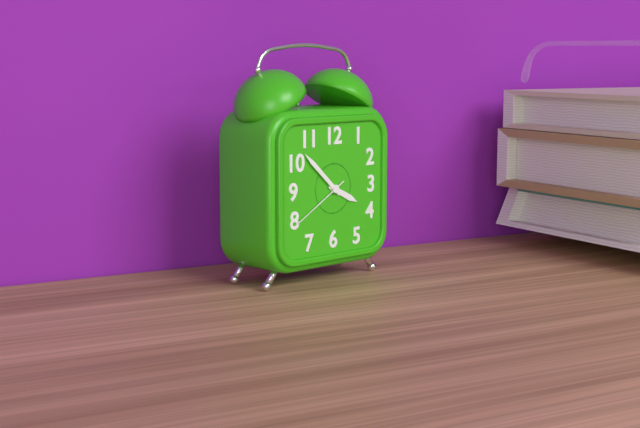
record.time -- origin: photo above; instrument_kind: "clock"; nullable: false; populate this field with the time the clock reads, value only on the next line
3:52
